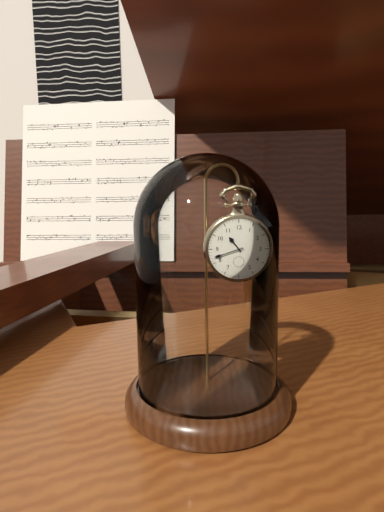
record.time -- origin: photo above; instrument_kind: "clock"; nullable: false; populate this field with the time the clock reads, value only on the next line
10:42
